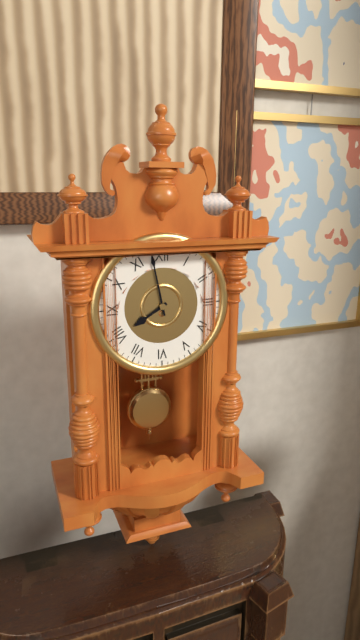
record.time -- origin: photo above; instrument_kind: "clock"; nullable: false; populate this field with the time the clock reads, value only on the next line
7:58
